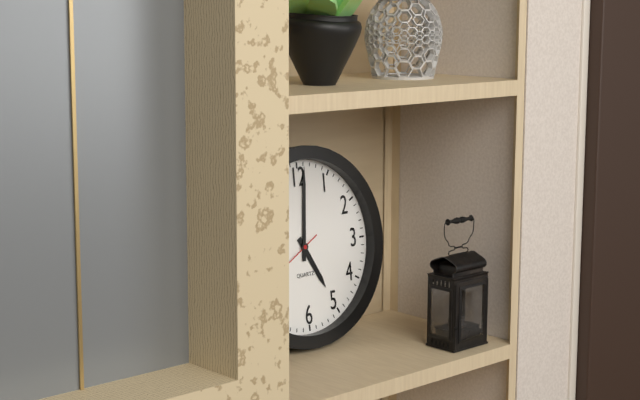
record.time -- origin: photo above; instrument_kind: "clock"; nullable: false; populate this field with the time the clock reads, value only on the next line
5:01
